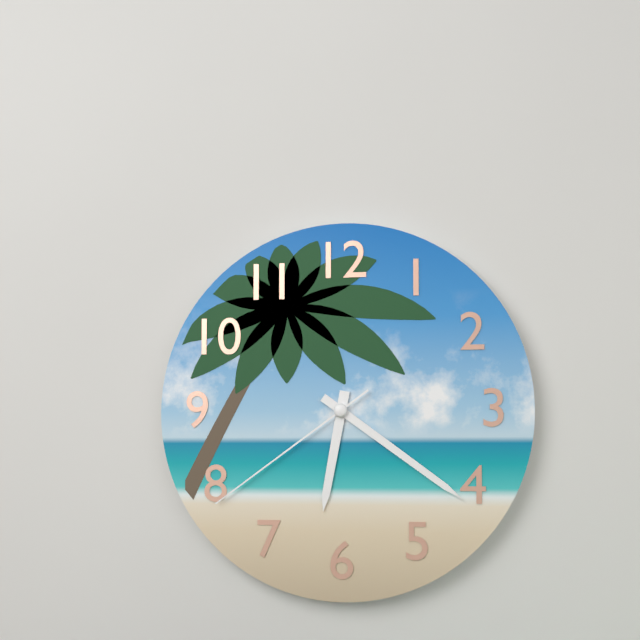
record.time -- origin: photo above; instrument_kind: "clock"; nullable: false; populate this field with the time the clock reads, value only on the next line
6:21:39
